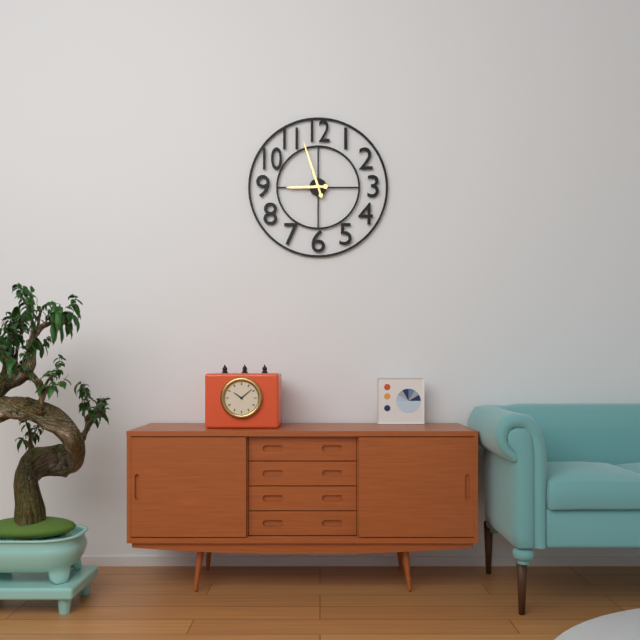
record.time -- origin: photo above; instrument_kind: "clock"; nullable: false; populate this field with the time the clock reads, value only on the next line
8:57
